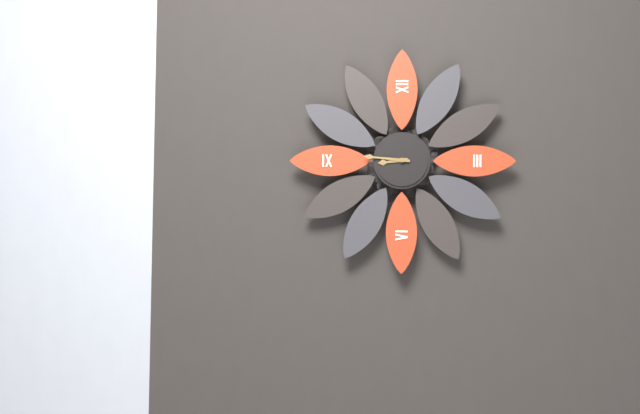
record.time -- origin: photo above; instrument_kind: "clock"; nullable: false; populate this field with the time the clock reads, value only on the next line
8:46
